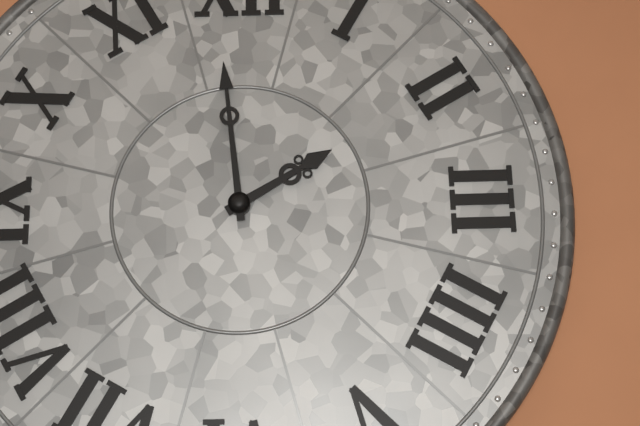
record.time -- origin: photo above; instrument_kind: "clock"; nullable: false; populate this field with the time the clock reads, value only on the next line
1:59
